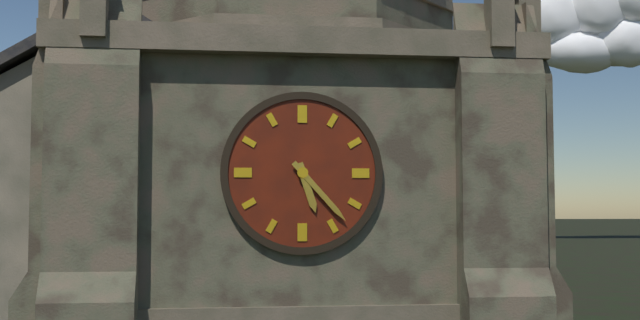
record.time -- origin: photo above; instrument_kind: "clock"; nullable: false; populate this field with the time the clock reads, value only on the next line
5:23
